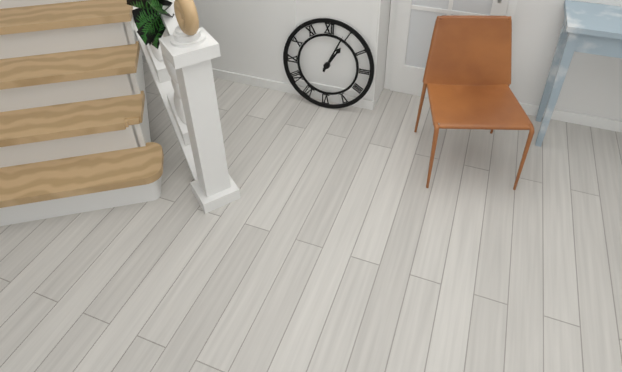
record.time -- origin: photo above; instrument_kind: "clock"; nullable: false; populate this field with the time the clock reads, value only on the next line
1:04
